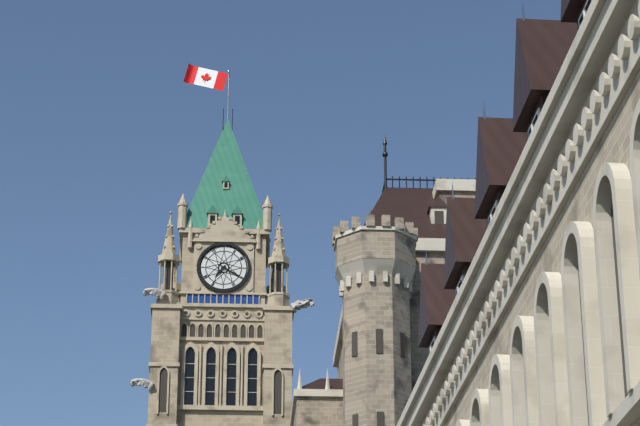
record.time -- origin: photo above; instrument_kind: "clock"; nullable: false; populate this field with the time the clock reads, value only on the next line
7:20
